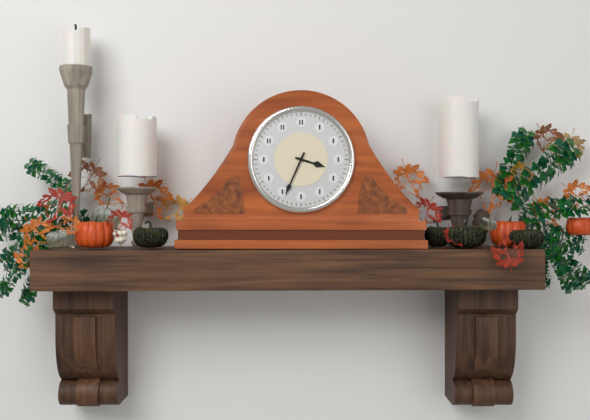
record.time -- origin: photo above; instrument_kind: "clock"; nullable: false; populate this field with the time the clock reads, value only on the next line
3:34
